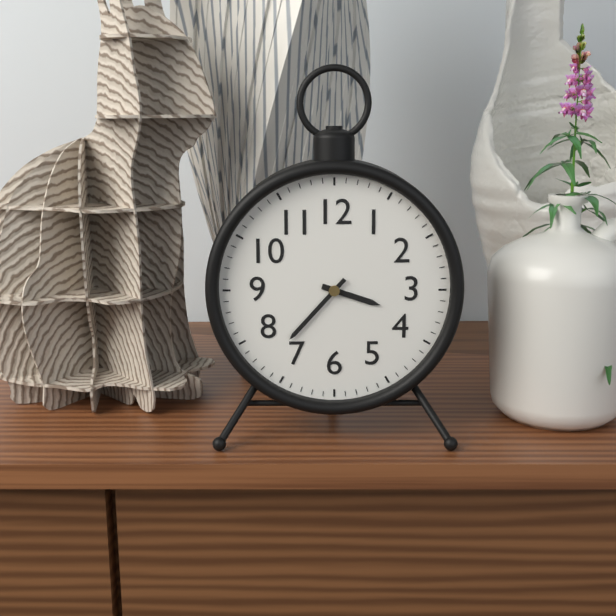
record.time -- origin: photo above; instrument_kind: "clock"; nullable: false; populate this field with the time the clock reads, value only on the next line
3:37
